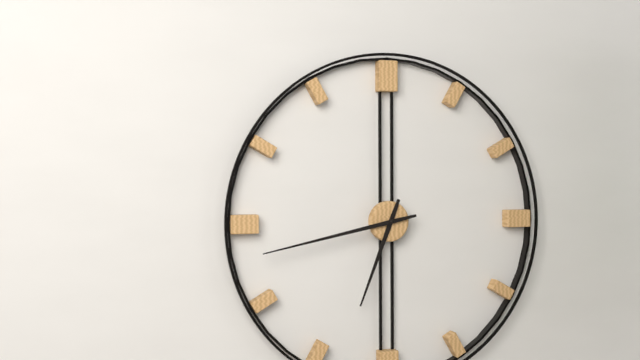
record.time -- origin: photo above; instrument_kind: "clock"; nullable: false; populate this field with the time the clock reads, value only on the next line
6:43
